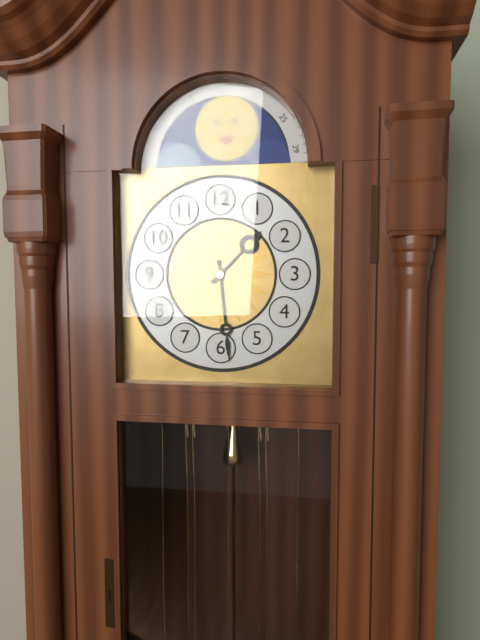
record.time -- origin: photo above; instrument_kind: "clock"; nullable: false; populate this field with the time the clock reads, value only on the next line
1:29
